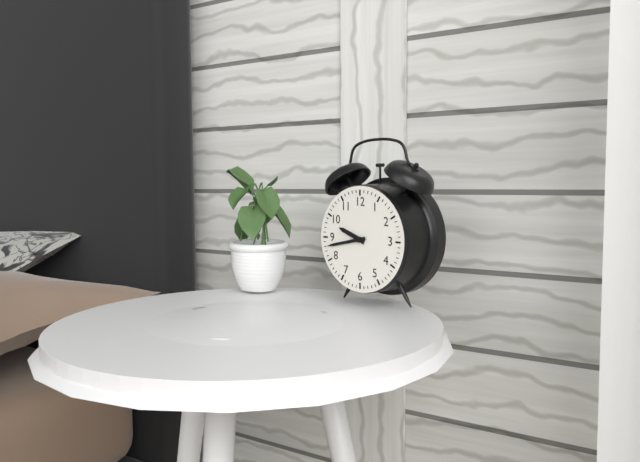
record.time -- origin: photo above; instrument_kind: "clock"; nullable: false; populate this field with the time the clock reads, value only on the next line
9:43
